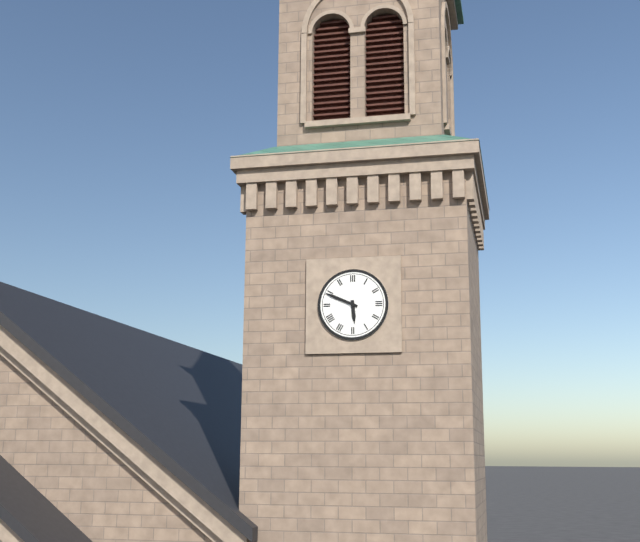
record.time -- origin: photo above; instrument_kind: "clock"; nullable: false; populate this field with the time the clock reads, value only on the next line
5:49
